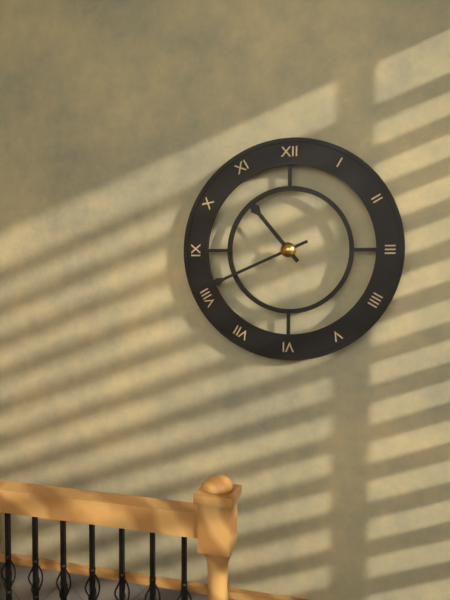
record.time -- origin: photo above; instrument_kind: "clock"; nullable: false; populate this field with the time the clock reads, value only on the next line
10:41
